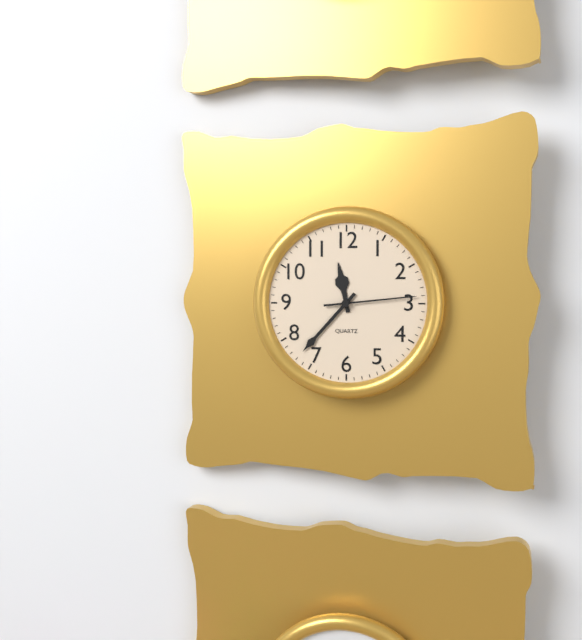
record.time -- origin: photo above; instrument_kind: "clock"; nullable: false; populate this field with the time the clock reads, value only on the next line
11:37:14
